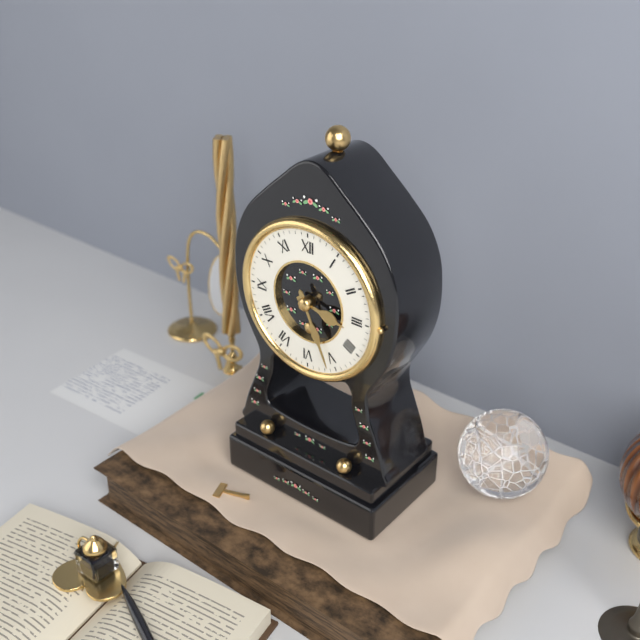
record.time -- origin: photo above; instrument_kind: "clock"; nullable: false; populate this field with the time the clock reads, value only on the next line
3:26
